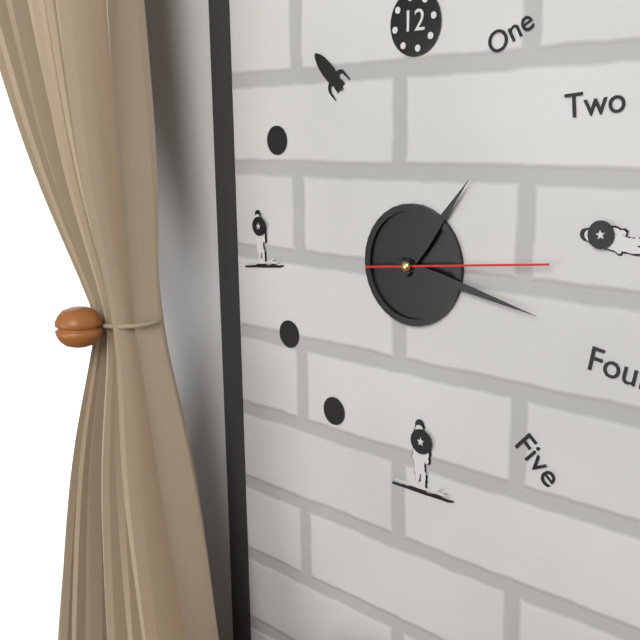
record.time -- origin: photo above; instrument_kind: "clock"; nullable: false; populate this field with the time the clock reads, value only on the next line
1:17:14
